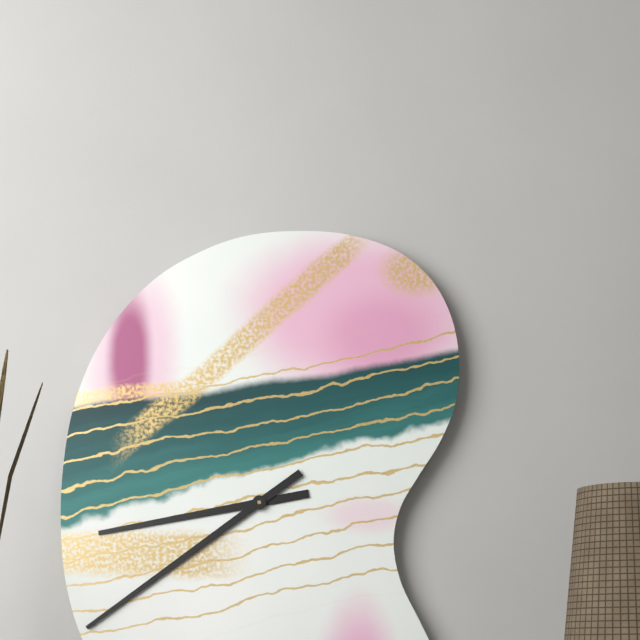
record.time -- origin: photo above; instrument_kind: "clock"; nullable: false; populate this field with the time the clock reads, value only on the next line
8:39
